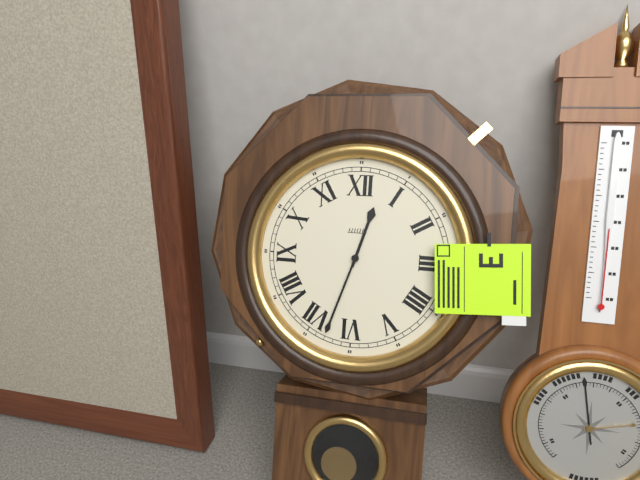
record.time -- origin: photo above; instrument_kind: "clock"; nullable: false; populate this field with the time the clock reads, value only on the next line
12:33
